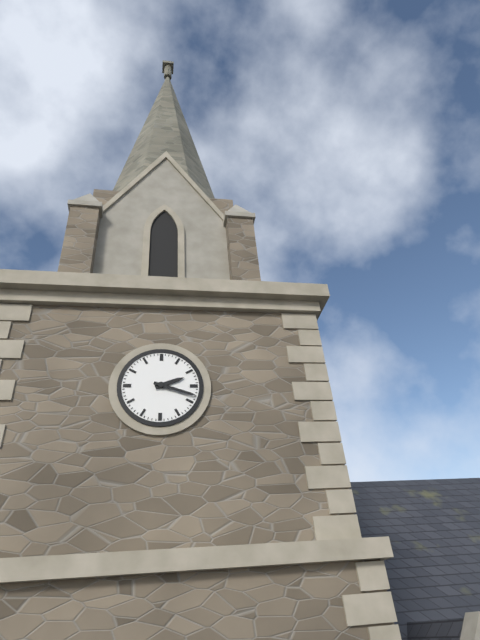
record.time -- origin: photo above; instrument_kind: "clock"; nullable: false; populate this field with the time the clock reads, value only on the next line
2:18
